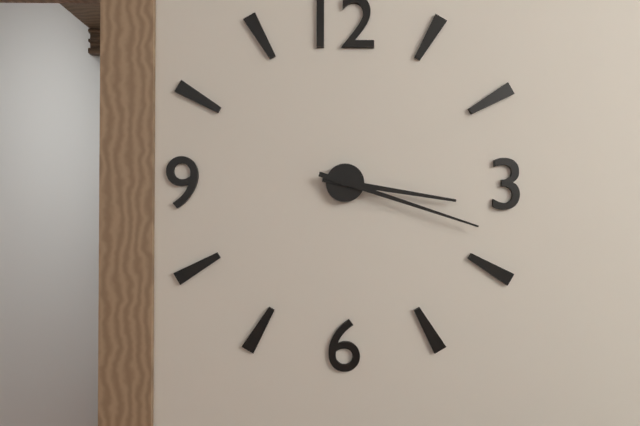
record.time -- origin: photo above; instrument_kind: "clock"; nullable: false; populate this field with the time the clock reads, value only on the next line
3:18
